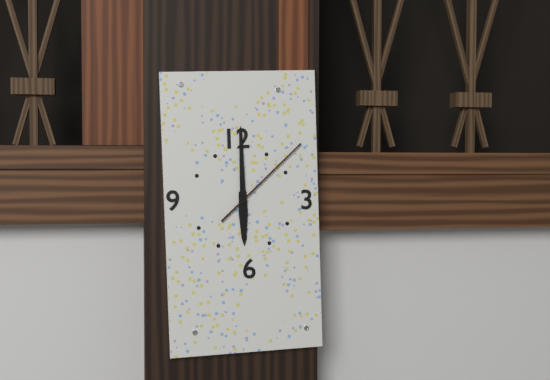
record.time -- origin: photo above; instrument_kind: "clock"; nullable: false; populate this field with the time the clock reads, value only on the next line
6:00:08
